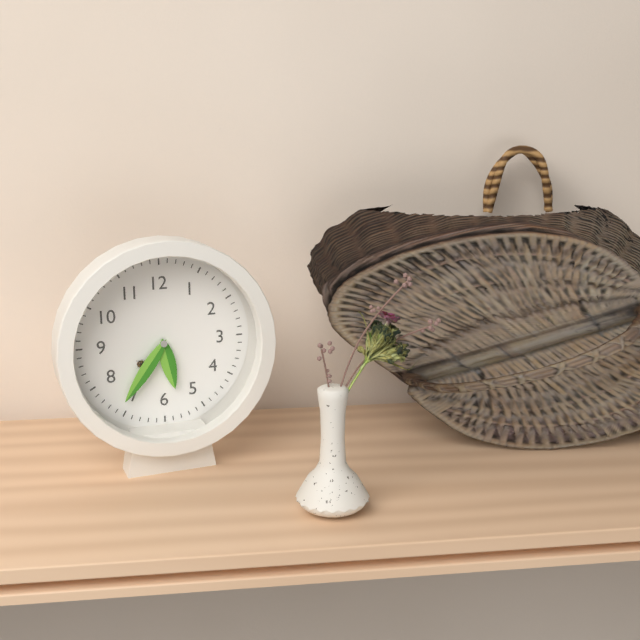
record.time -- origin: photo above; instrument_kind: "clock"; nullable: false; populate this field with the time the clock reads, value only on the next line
5:36
